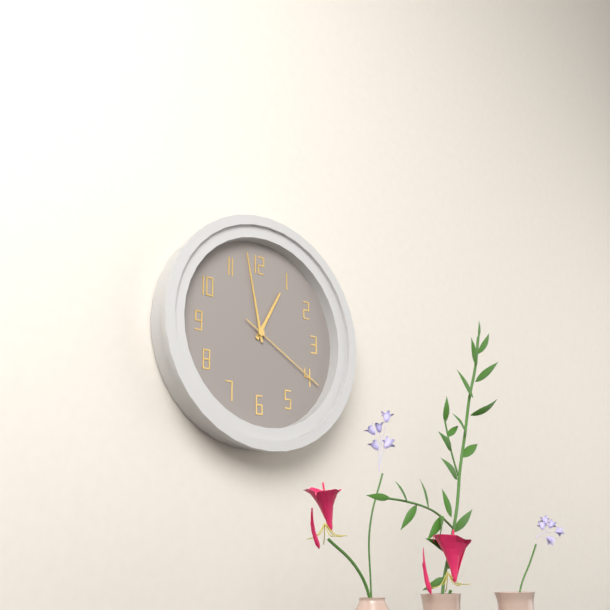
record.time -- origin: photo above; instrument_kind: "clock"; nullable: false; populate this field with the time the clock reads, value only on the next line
12:58:20
